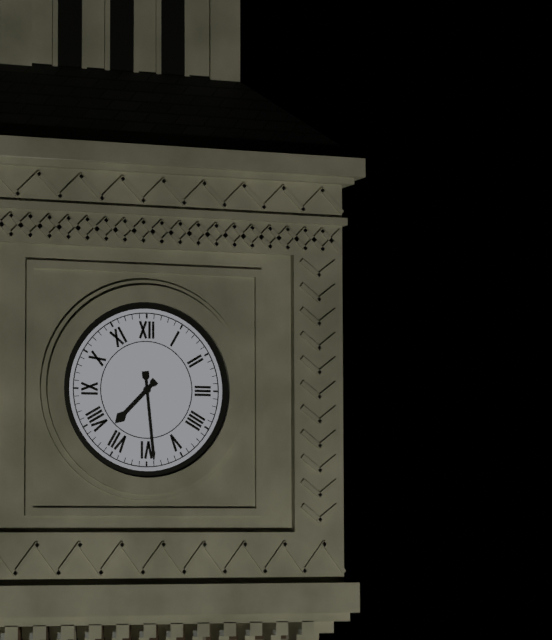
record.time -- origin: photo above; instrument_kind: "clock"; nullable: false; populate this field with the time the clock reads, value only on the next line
7:29
